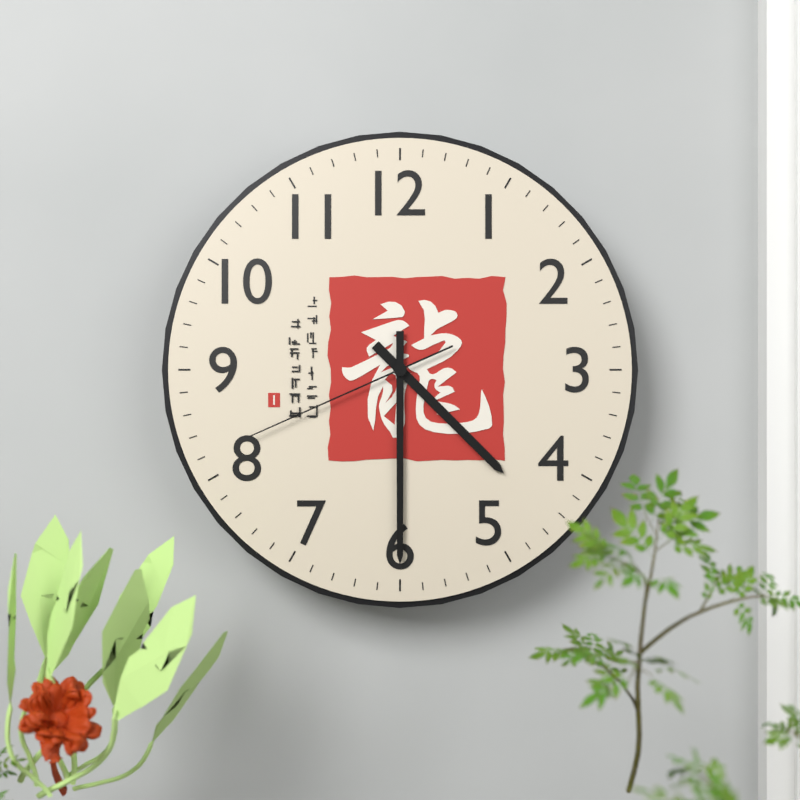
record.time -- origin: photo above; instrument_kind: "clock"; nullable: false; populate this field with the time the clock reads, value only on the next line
4:30:41
